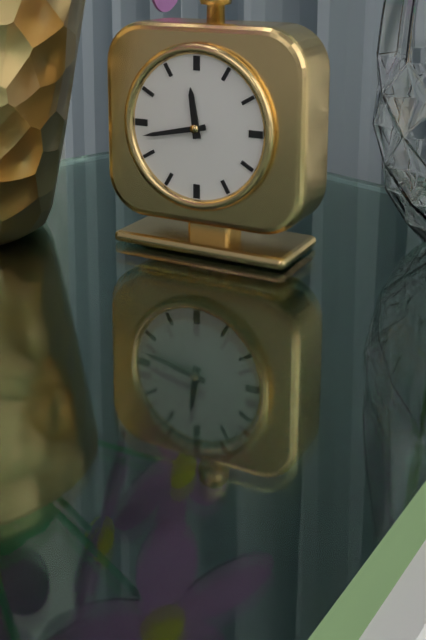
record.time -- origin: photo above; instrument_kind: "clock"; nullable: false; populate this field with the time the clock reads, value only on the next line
11:43
